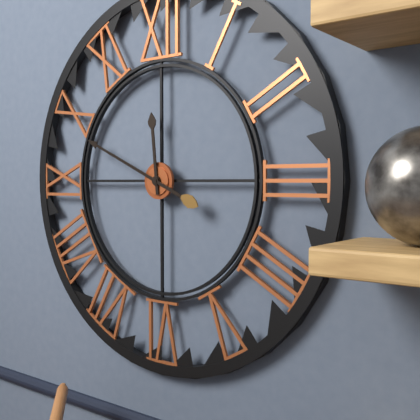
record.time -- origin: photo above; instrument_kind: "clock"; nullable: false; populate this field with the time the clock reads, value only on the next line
11:49
